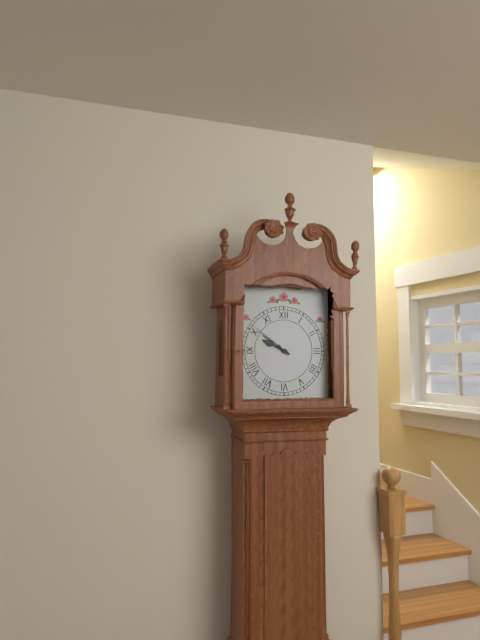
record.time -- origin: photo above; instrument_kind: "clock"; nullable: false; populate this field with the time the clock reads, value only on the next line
9:51
